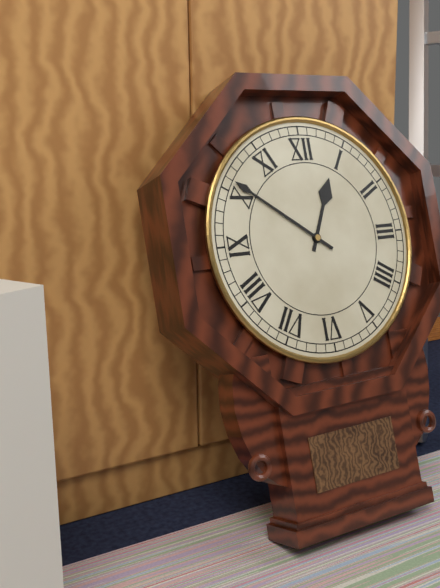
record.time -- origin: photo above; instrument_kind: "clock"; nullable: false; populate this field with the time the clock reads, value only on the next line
12:51
